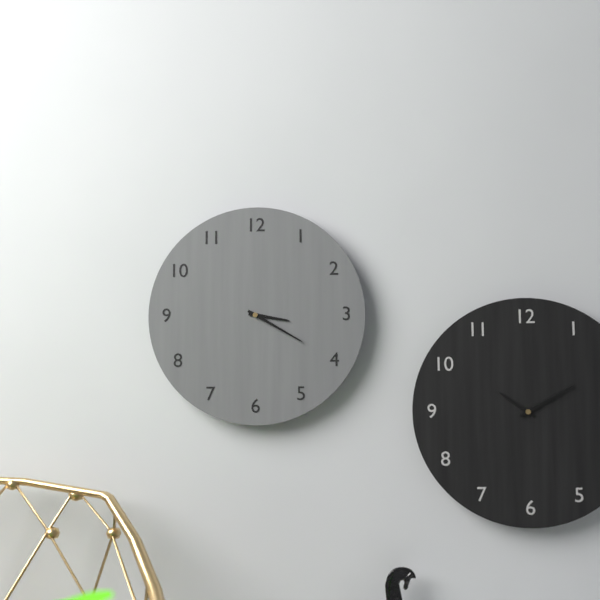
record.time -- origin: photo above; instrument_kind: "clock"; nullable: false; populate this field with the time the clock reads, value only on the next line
3:20
